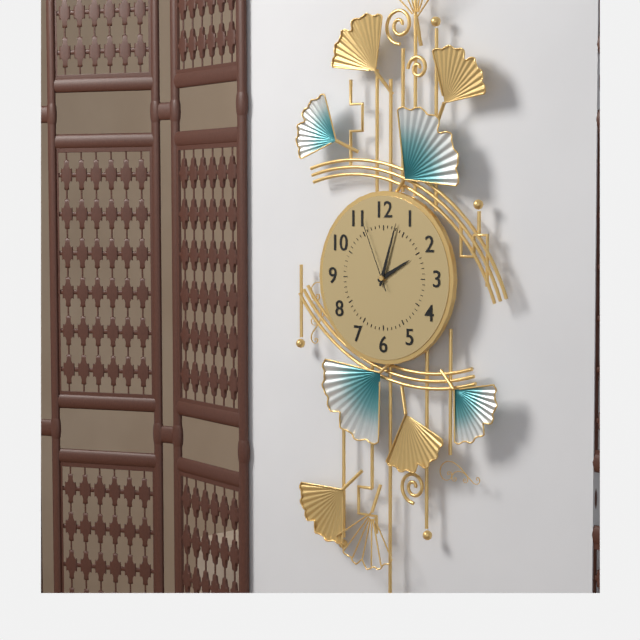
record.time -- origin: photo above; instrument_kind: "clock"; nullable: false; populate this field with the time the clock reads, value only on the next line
2:03:56
